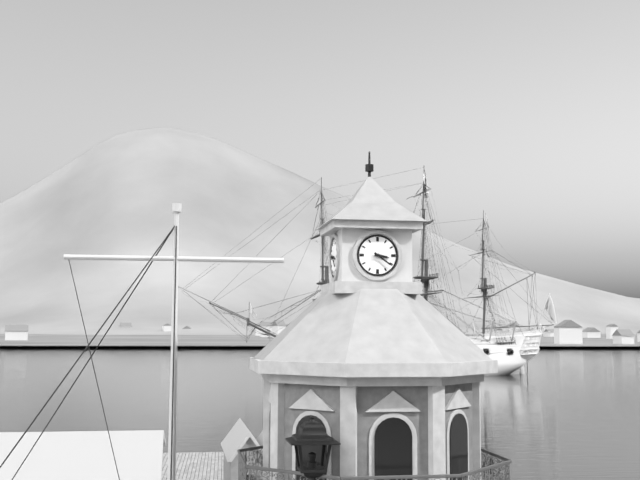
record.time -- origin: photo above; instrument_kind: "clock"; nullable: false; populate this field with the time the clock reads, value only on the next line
3:21
